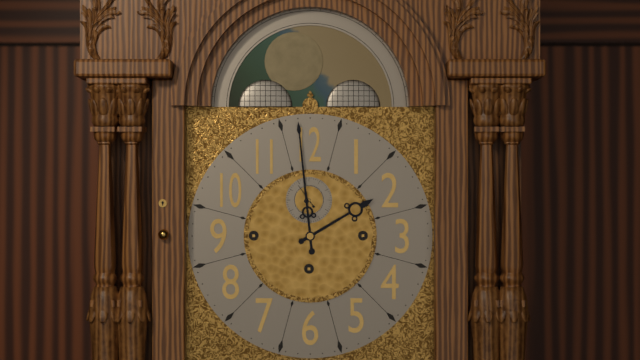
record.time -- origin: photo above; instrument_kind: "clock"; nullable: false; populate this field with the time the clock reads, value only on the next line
1:59
